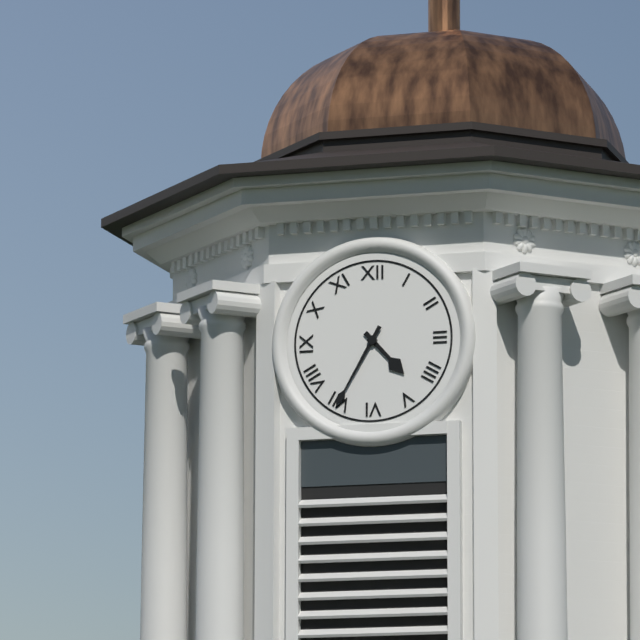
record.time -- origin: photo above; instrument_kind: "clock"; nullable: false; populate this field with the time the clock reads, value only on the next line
4:35
